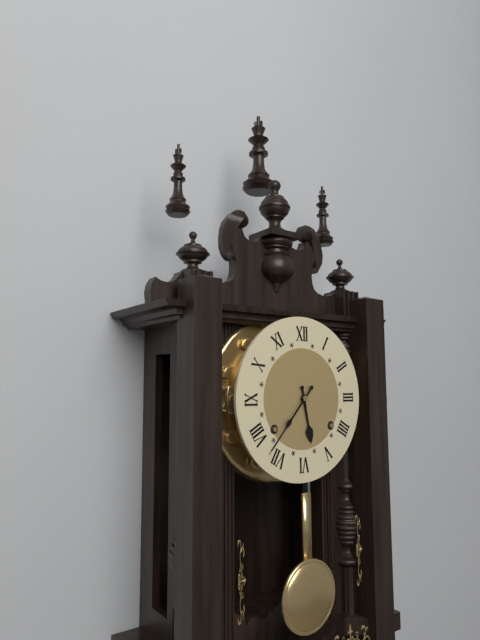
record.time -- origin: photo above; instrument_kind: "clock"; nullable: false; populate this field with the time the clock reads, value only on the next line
5:37
